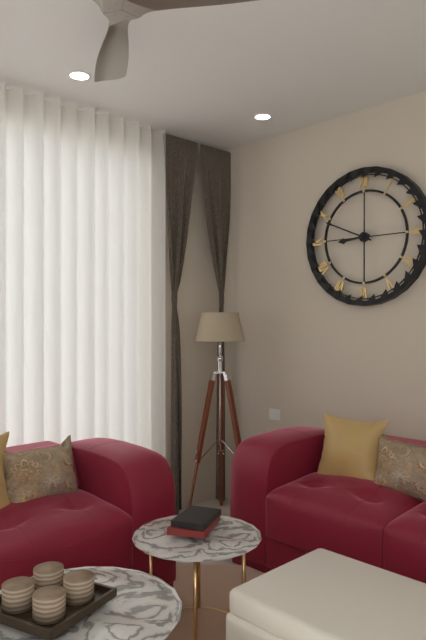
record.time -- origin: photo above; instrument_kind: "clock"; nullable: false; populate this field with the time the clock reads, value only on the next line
8:49
